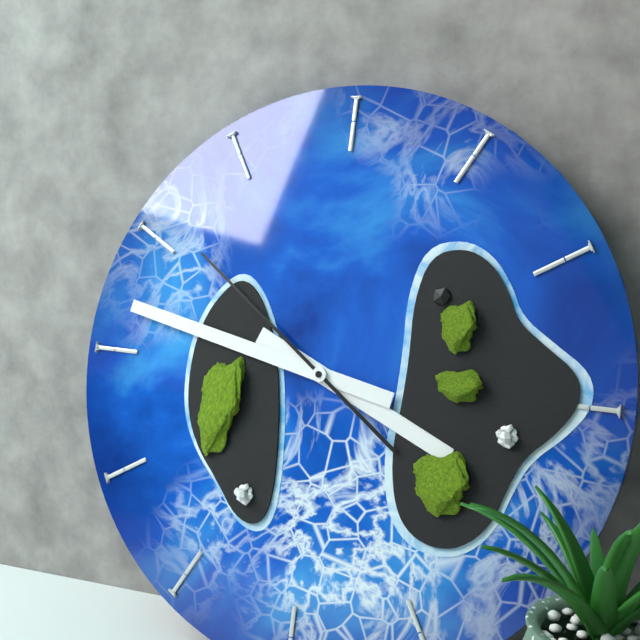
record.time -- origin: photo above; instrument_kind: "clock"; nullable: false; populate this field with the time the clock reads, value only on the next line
3:47:51
